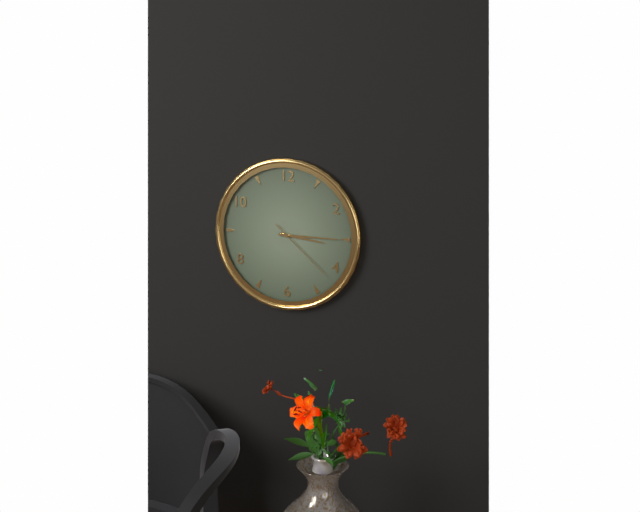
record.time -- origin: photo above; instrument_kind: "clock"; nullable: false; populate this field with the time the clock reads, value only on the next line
3:15:22
